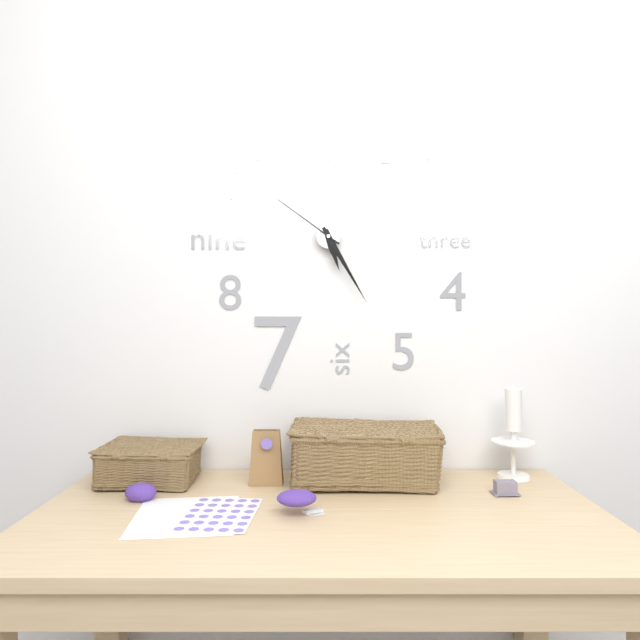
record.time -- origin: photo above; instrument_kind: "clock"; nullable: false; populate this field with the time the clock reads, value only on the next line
5:25:51
